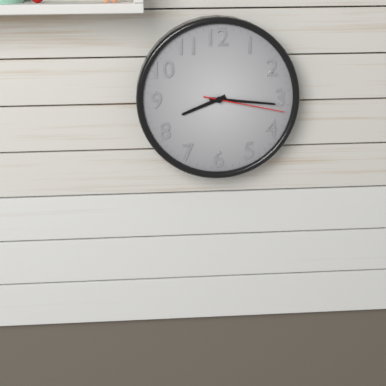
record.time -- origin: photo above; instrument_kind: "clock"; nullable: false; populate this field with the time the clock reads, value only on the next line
8:16:17
